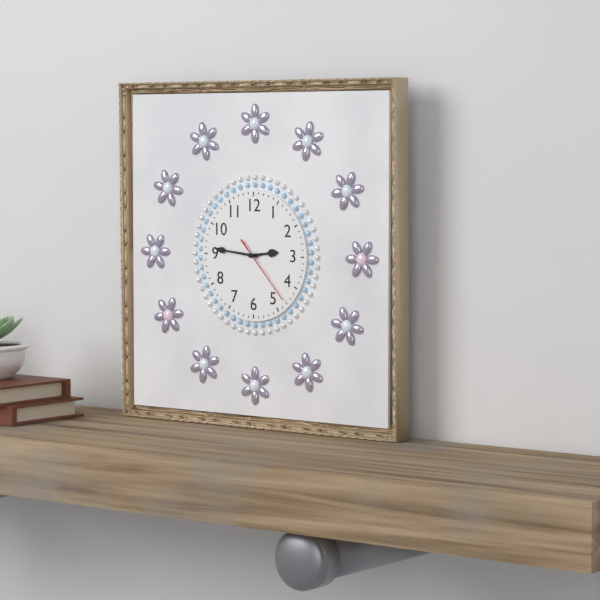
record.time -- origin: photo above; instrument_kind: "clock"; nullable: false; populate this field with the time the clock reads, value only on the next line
2:46:23
